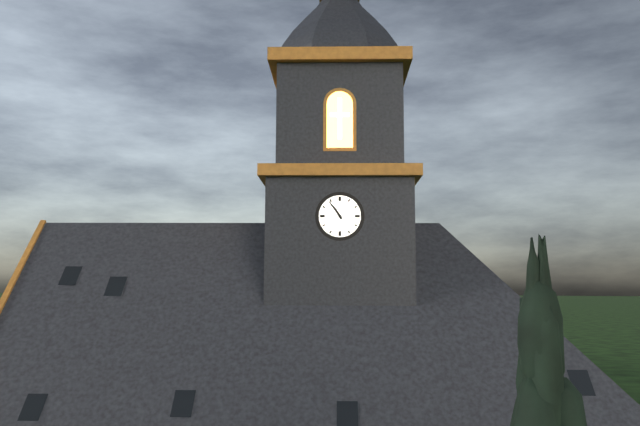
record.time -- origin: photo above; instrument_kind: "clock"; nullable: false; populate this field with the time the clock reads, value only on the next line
10:54
